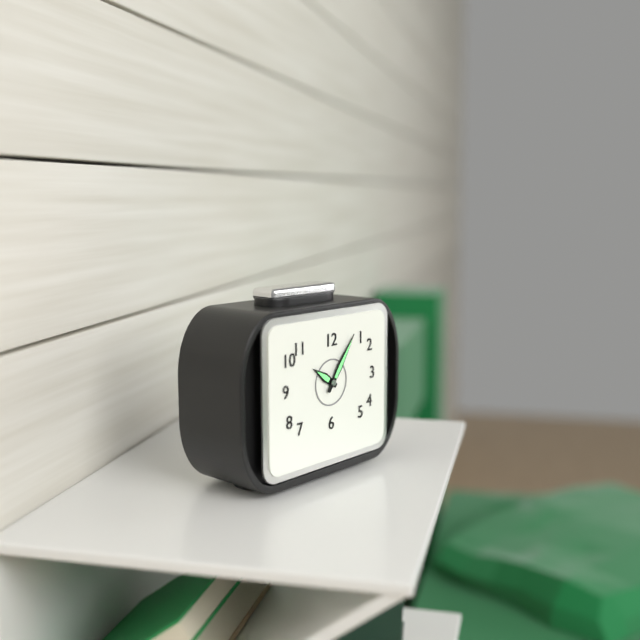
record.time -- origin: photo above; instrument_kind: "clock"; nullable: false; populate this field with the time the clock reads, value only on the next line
10:06
